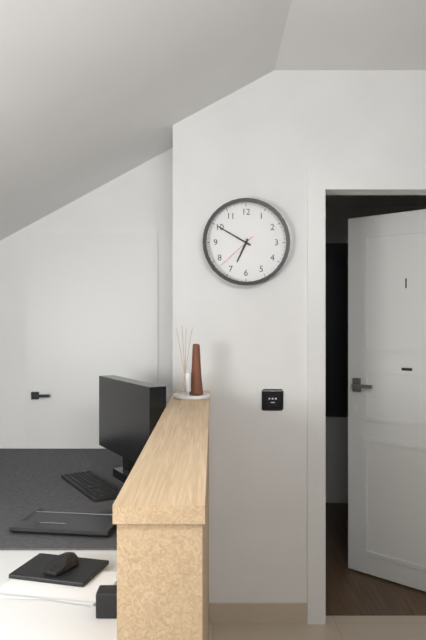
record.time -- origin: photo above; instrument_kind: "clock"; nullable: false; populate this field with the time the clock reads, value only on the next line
6:50
